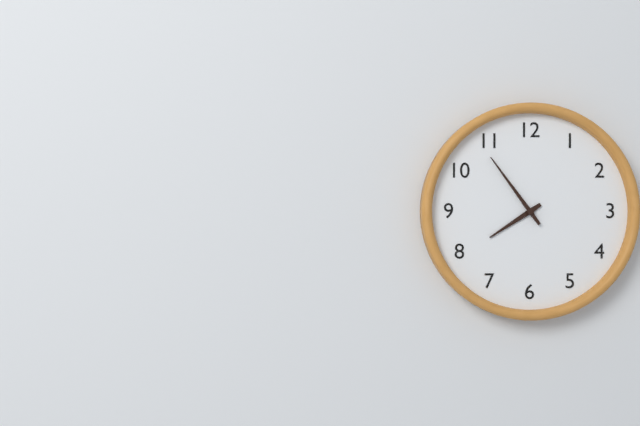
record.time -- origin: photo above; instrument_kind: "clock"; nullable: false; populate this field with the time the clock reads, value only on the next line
7:54
